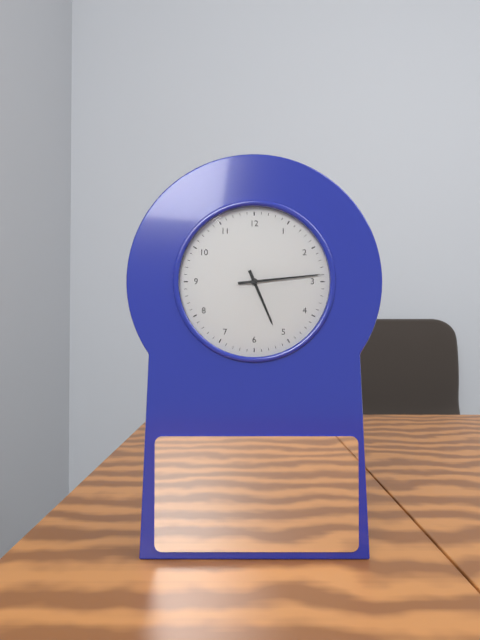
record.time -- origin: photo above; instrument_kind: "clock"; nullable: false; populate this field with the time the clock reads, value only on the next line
5:14
